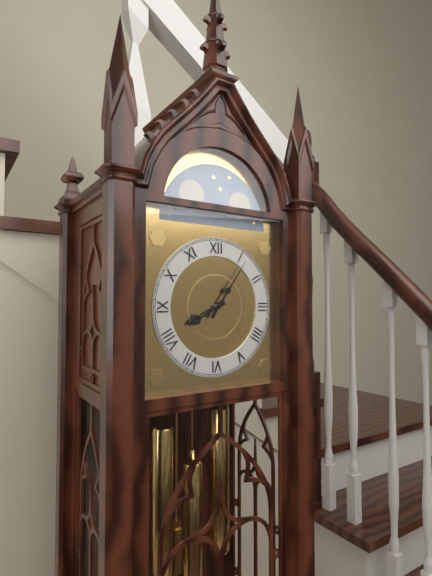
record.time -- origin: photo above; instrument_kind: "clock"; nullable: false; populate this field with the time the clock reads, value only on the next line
8:06
